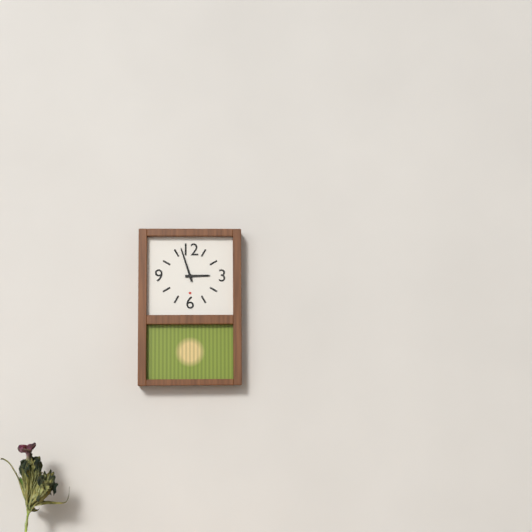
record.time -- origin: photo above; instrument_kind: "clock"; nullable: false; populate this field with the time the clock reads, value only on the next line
2:57
